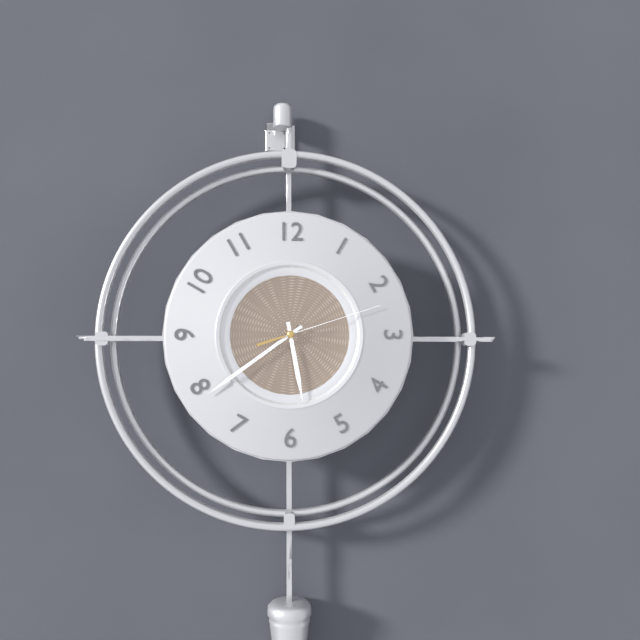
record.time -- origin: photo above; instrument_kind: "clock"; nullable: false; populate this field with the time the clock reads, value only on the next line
5:39:12
